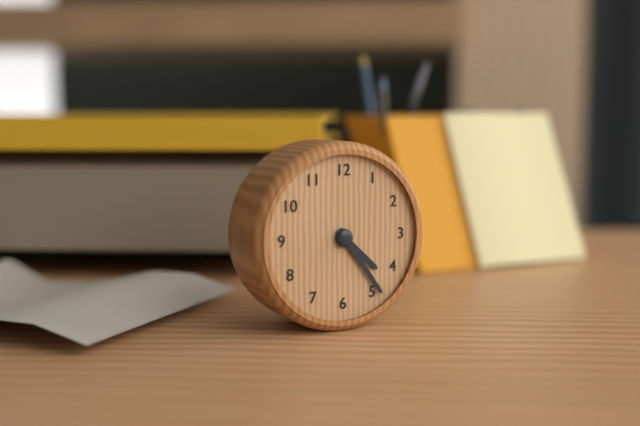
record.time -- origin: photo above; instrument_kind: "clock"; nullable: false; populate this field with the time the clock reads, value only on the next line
4:24
